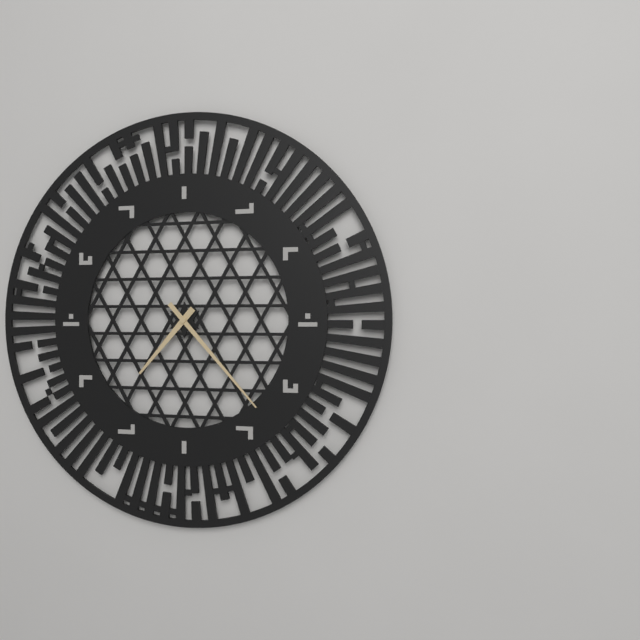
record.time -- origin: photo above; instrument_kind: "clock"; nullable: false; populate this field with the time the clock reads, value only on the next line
7:23
